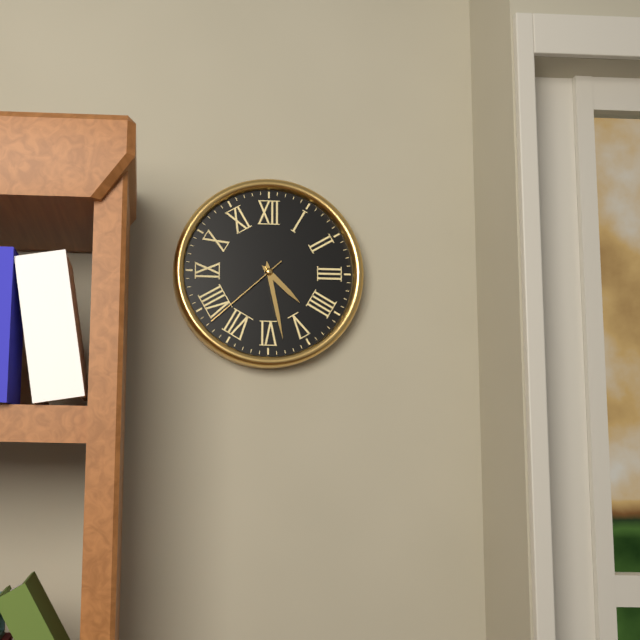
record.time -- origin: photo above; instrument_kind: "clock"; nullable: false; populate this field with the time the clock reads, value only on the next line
4:28:38
